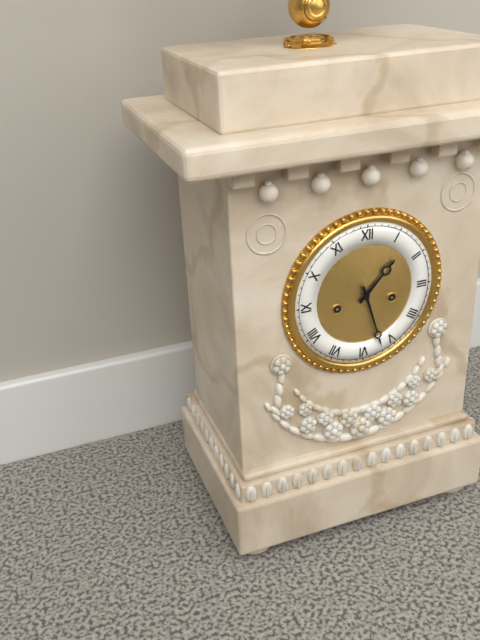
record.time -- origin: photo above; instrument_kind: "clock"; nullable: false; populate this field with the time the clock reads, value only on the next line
1:27
